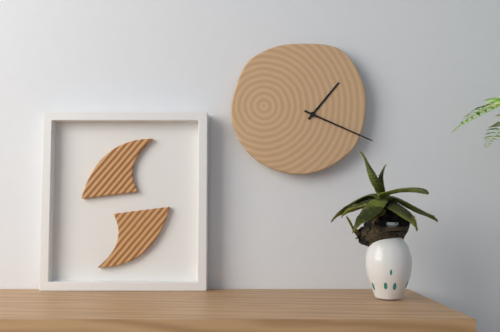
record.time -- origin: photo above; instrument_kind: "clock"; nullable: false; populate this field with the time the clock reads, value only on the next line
1:19
